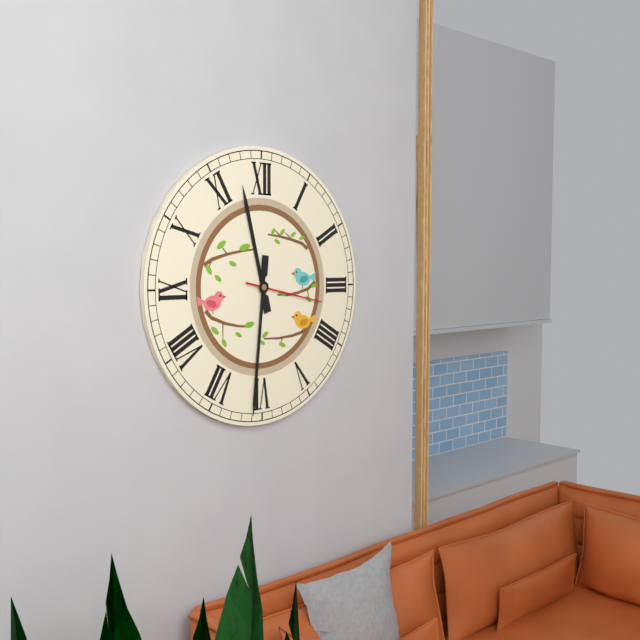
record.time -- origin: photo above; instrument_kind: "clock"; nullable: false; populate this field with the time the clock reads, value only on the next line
11:31:17
